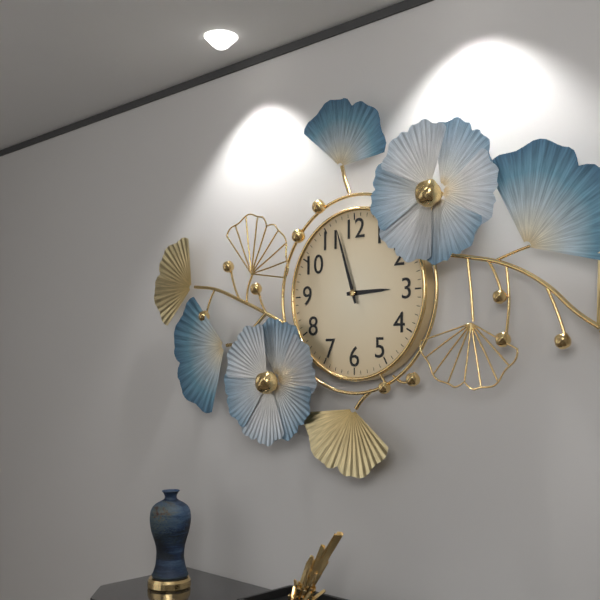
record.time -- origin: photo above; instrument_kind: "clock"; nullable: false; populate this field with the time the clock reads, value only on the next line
2:57
